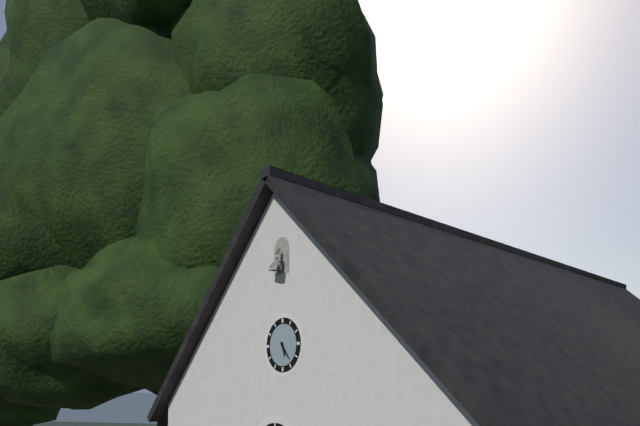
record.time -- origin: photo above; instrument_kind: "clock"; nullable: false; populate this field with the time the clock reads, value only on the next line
5:24
